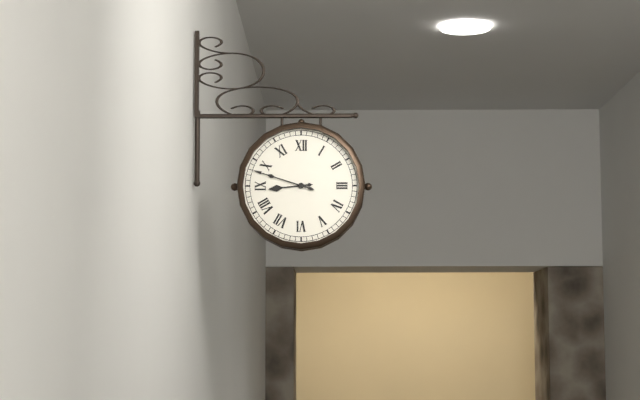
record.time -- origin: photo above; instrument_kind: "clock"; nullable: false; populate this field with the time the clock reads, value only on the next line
8:48
